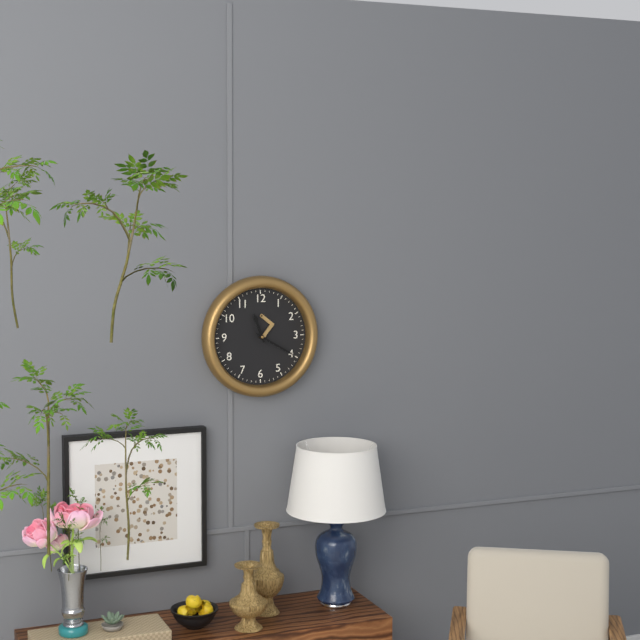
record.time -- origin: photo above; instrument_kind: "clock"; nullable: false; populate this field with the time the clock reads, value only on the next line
11:20
